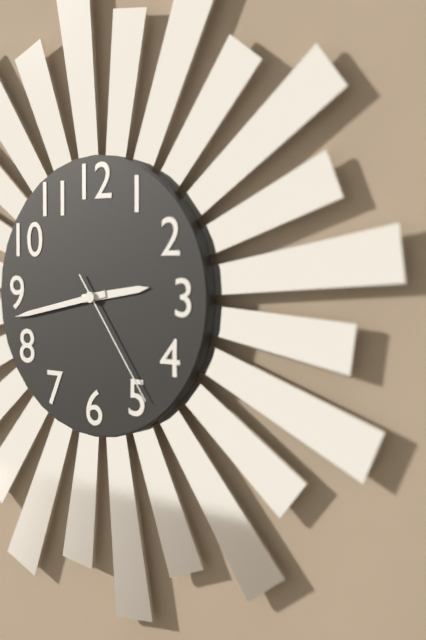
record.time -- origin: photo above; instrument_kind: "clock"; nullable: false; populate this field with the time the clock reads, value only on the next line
2:43:24
